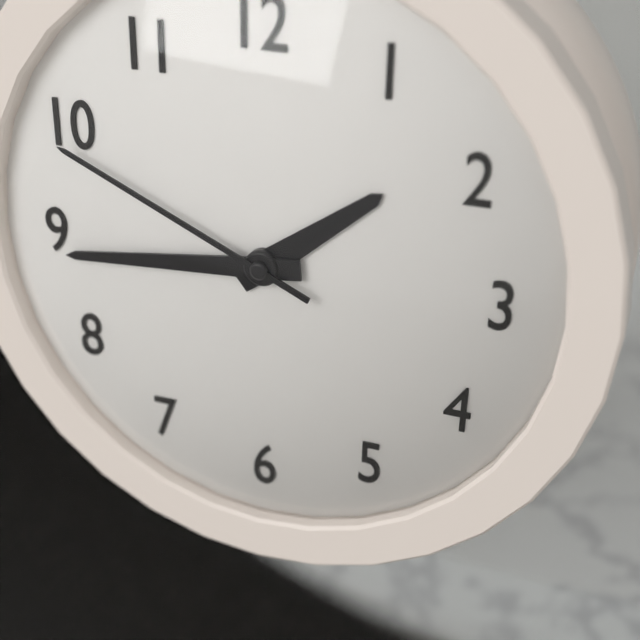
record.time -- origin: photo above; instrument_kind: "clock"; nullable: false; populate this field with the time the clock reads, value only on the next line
1:44:49
